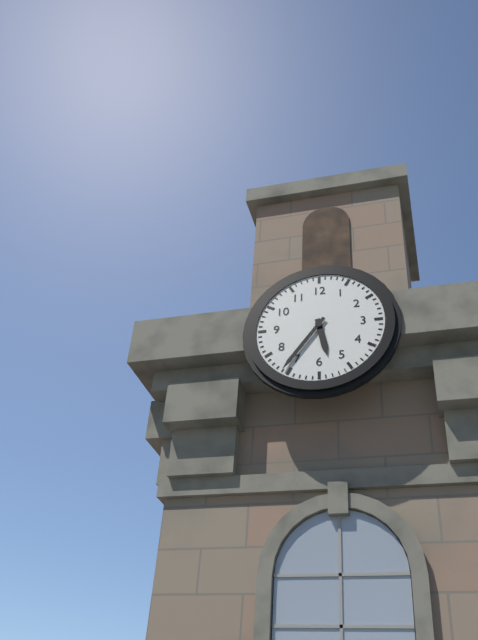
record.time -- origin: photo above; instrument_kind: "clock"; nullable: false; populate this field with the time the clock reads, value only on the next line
5:36
